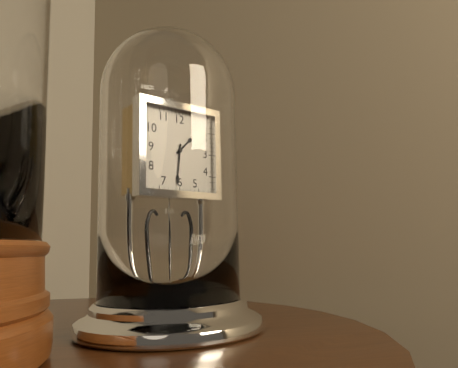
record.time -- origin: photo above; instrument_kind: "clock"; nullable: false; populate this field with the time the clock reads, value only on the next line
1:31
